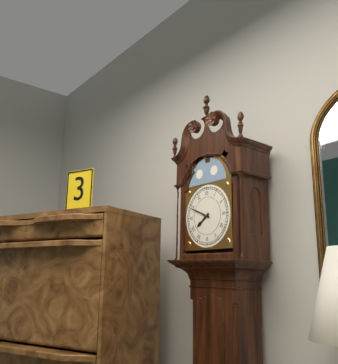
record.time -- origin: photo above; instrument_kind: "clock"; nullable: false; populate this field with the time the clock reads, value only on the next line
7:49
